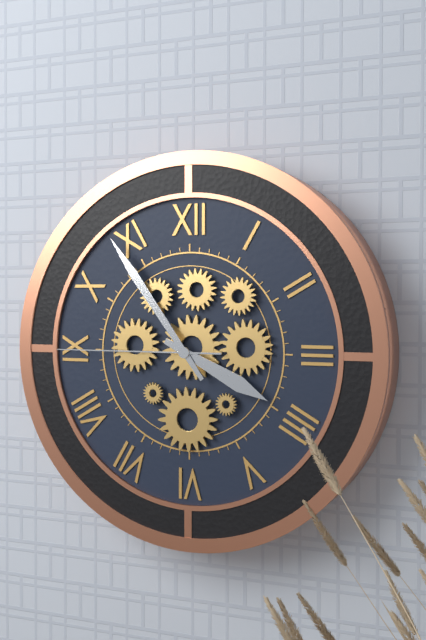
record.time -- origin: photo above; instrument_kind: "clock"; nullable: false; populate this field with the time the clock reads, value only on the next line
3:54:45
